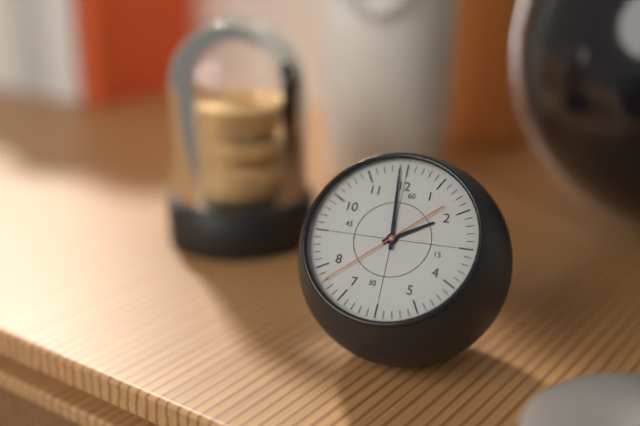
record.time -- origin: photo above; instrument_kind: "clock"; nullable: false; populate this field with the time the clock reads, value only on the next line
1:59:38
